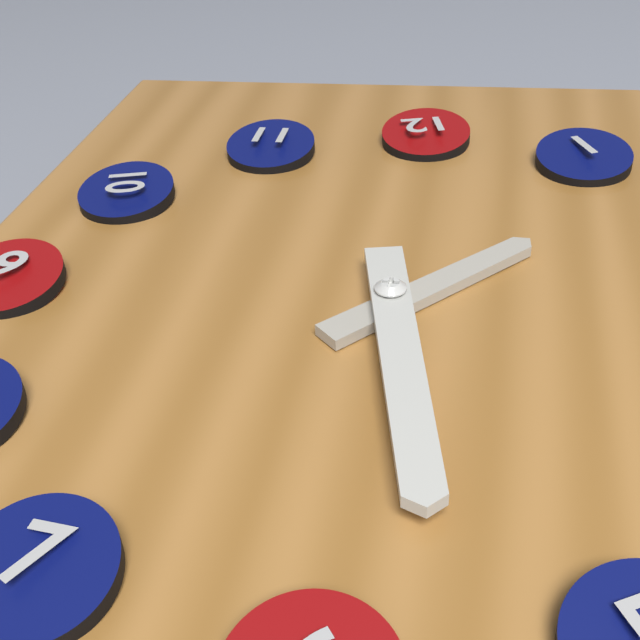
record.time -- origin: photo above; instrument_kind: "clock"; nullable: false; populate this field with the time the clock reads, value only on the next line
1:28
